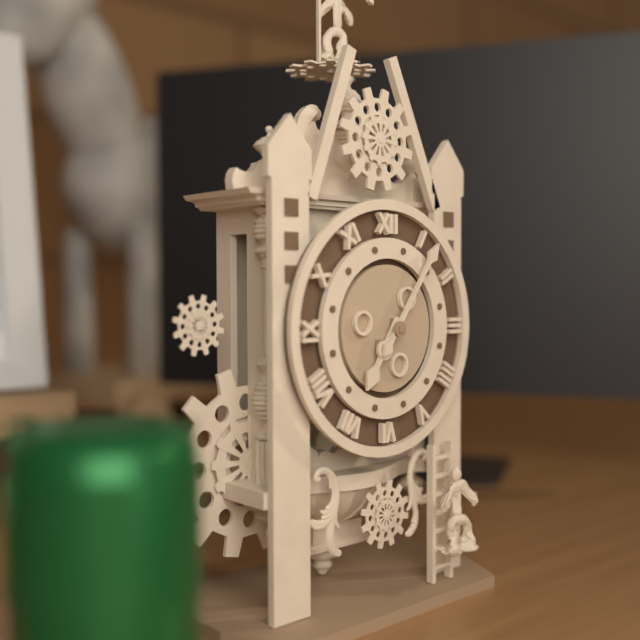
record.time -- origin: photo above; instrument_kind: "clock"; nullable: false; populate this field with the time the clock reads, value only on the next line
7:06
